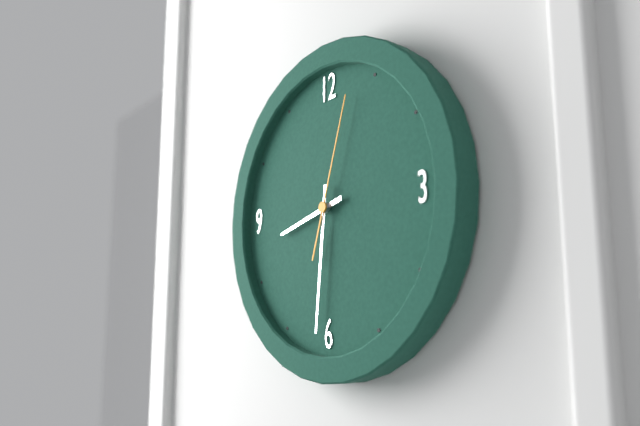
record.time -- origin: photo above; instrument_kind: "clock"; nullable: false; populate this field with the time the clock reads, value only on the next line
8:31:03
